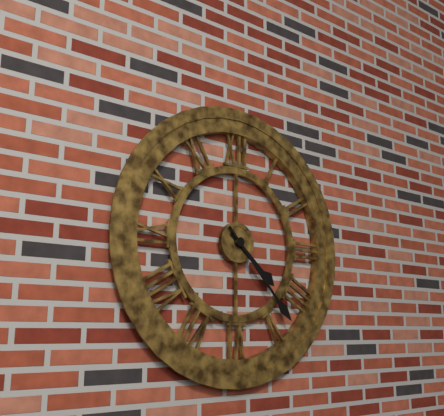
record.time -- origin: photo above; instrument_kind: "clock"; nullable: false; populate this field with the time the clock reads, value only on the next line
4:23
